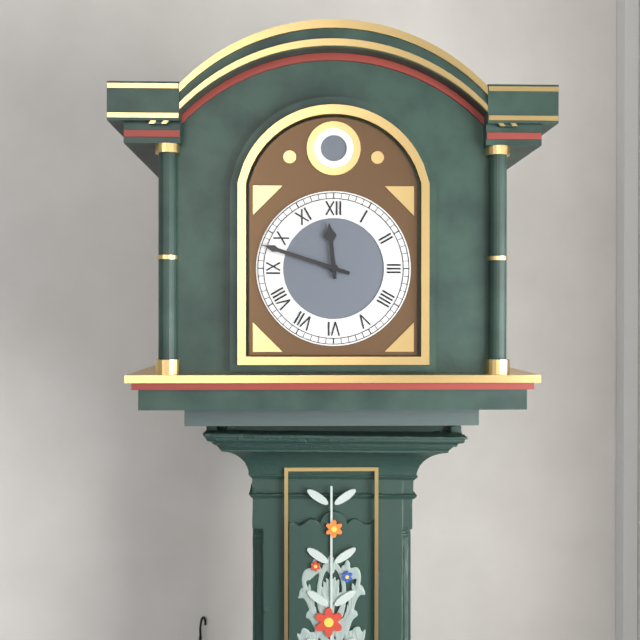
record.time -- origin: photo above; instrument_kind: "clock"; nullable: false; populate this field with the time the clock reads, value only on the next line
11:48
